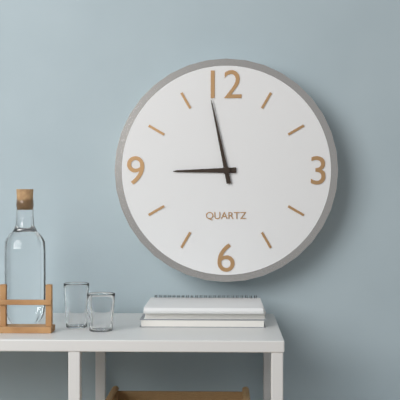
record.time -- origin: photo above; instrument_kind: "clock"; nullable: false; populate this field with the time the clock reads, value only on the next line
8:58
